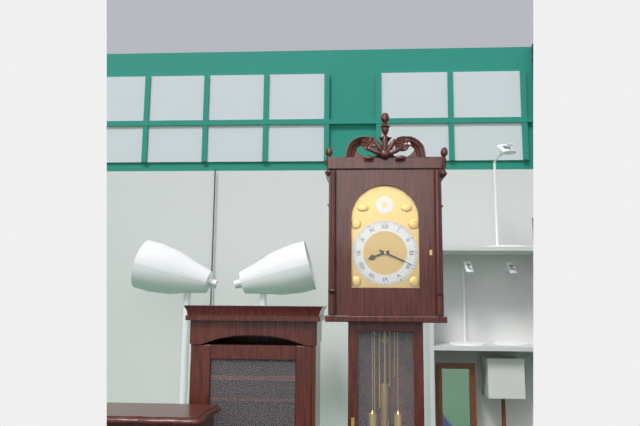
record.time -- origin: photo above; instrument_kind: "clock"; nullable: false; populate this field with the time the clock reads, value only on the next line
8:19
